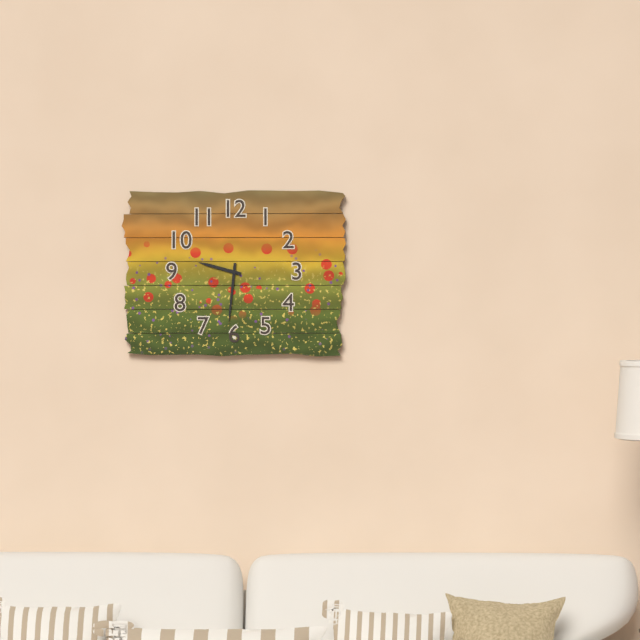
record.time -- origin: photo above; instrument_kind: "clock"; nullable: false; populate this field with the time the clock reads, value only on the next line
9:31
